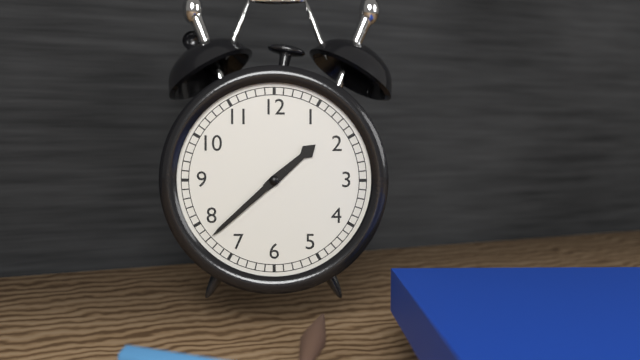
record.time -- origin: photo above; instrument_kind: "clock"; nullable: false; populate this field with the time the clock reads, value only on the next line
1:38
